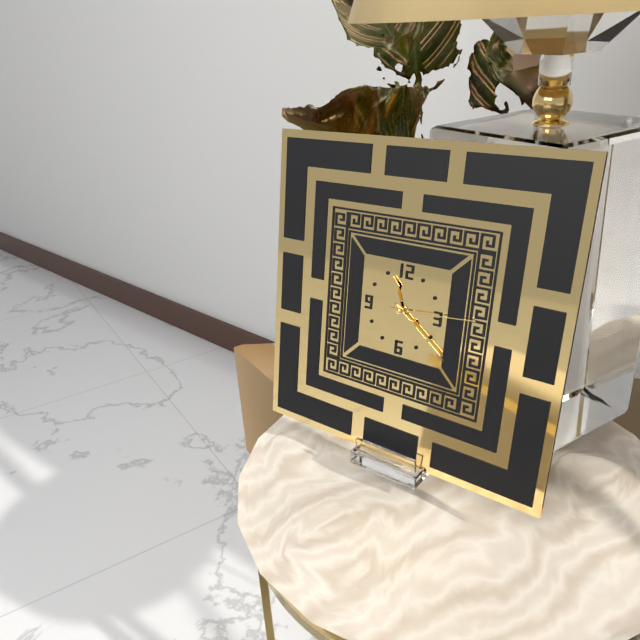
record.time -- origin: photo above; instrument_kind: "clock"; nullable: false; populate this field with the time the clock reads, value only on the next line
11:21:14
